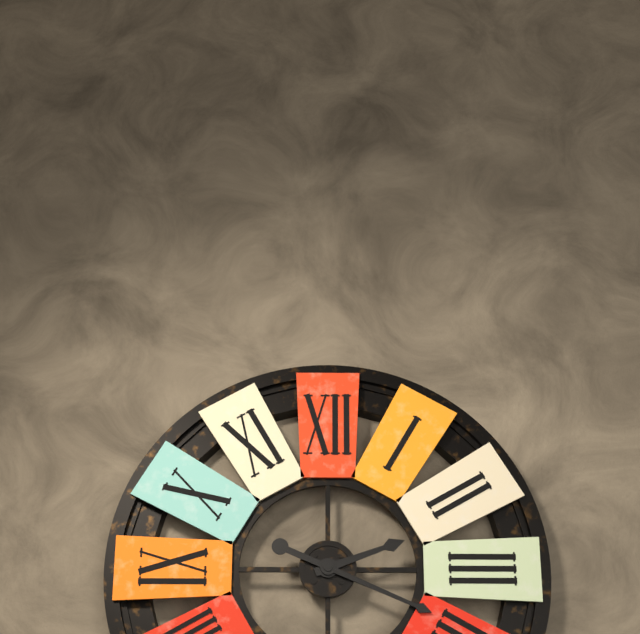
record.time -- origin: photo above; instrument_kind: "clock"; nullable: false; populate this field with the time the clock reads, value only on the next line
2:19
